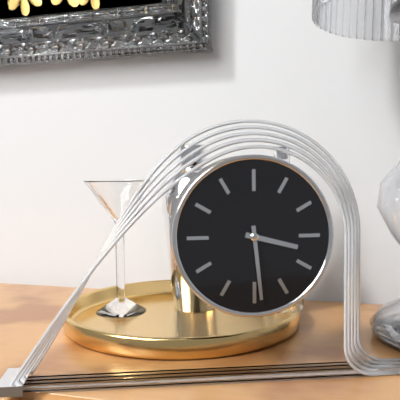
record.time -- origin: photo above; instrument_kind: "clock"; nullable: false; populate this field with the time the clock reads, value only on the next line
3:29
